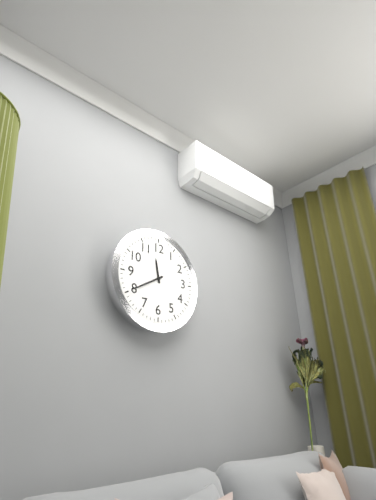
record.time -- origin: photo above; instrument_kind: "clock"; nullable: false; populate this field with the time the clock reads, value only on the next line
11:40
